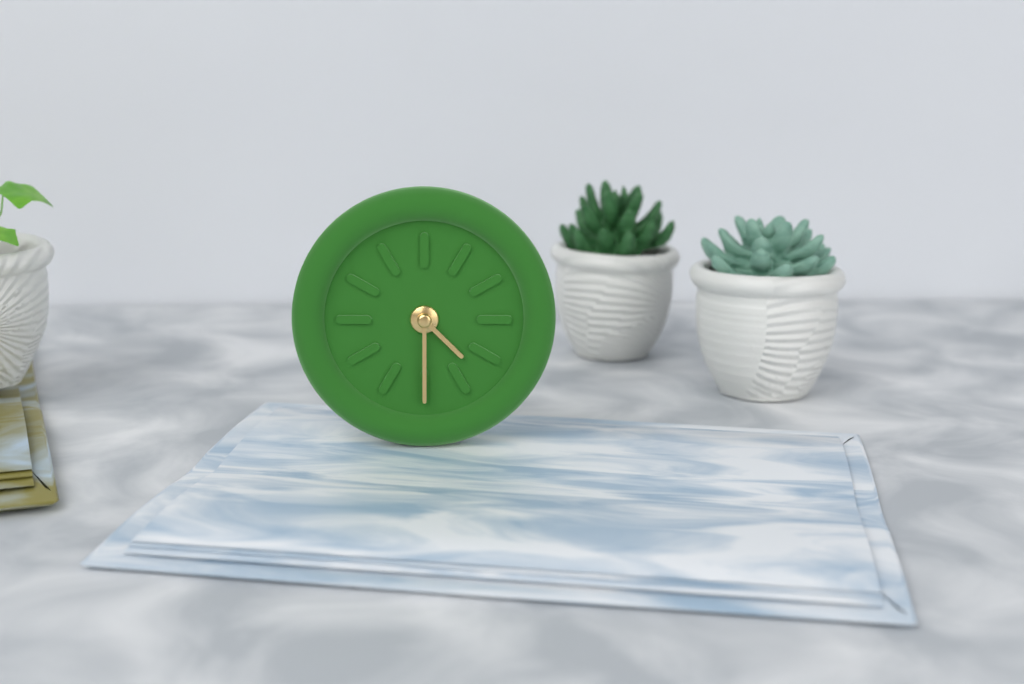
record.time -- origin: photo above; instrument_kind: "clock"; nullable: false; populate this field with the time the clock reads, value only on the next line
4:30
